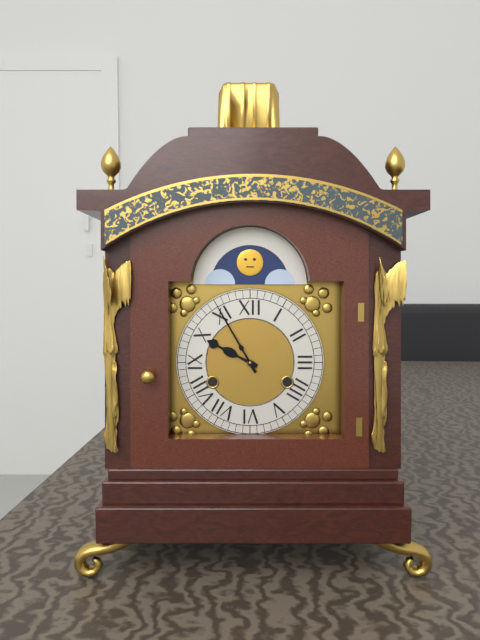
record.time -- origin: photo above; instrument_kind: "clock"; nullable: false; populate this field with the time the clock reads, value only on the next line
9:55
